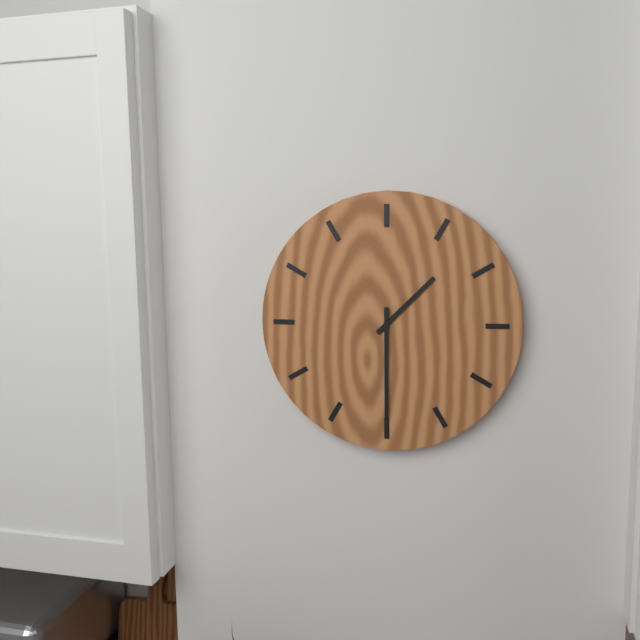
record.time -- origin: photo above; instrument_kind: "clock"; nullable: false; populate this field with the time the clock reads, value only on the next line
1:30
